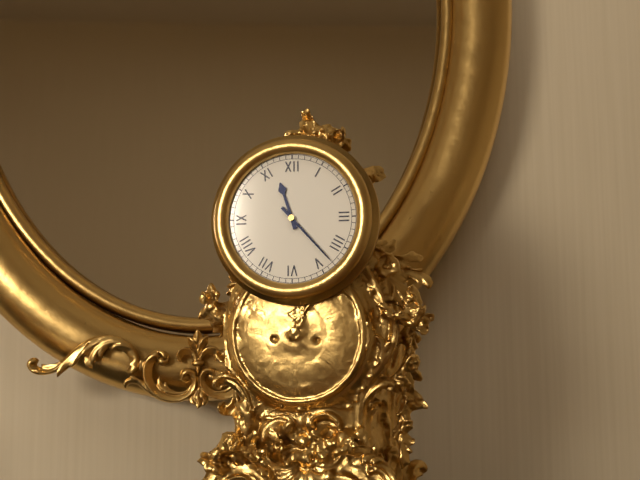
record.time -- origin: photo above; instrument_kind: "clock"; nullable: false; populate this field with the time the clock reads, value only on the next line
11:23
